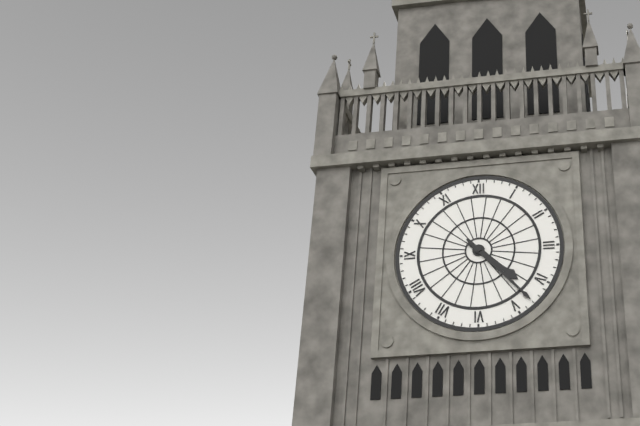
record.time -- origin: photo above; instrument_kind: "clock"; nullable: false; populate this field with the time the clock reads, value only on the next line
4:23
